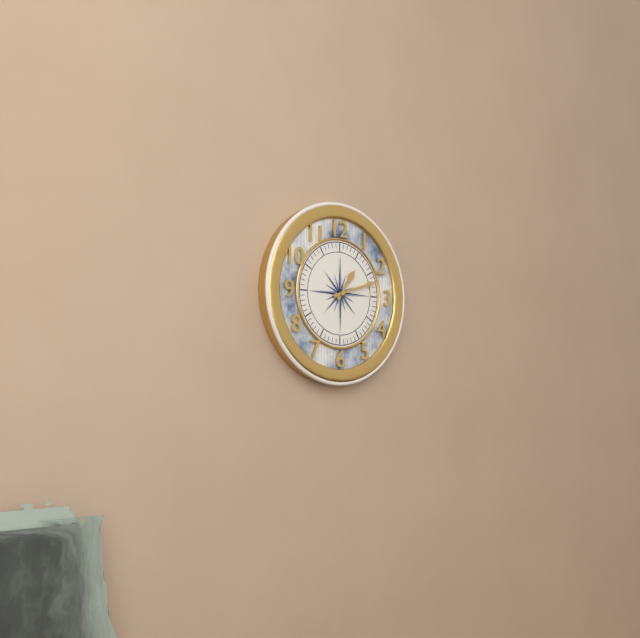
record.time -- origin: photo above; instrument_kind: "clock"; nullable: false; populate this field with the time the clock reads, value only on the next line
1:12
